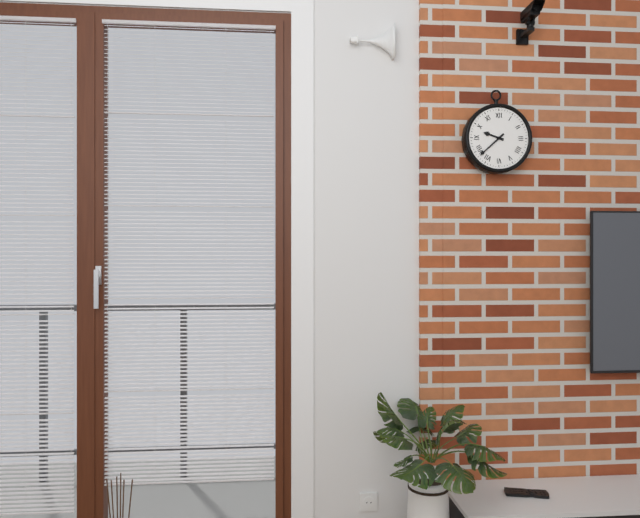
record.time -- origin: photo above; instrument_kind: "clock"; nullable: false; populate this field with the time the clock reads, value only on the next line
9:38
